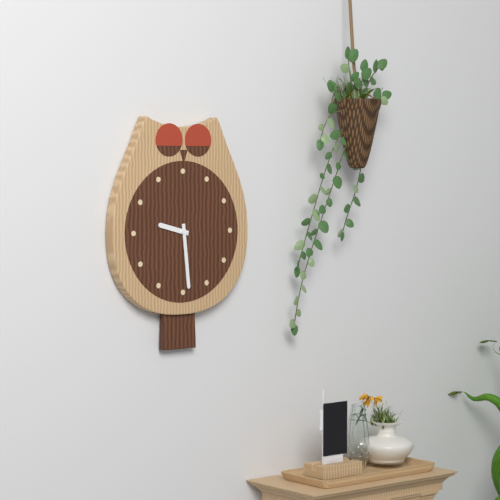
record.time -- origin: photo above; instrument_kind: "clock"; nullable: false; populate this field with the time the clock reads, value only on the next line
9:29
